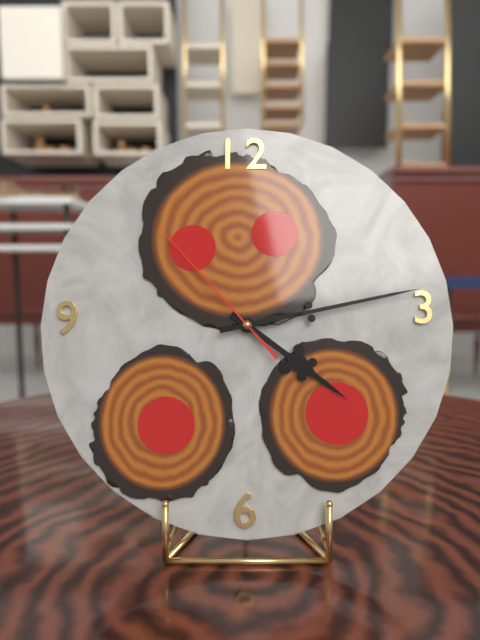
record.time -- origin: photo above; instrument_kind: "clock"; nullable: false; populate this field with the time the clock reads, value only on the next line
4:13:53
